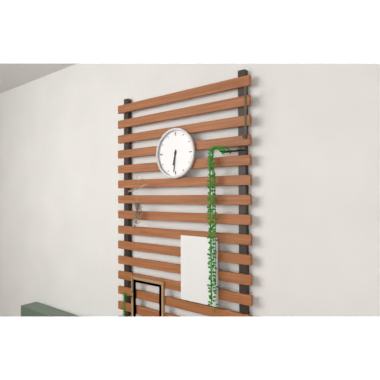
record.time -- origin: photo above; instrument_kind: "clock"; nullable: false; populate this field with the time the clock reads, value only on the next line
6:31
